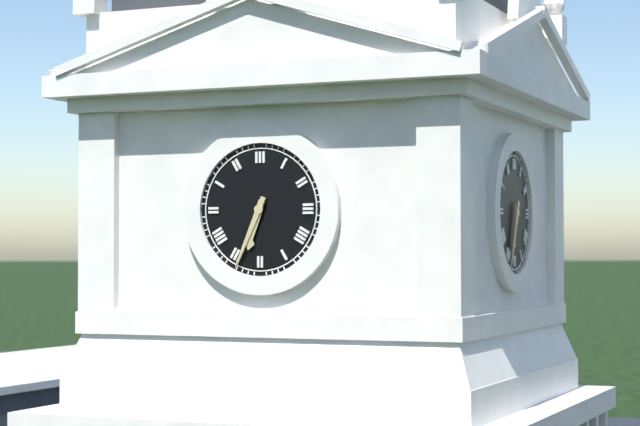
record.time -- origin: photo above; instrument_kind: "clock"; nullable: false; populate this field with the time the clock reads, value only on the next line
6:34
